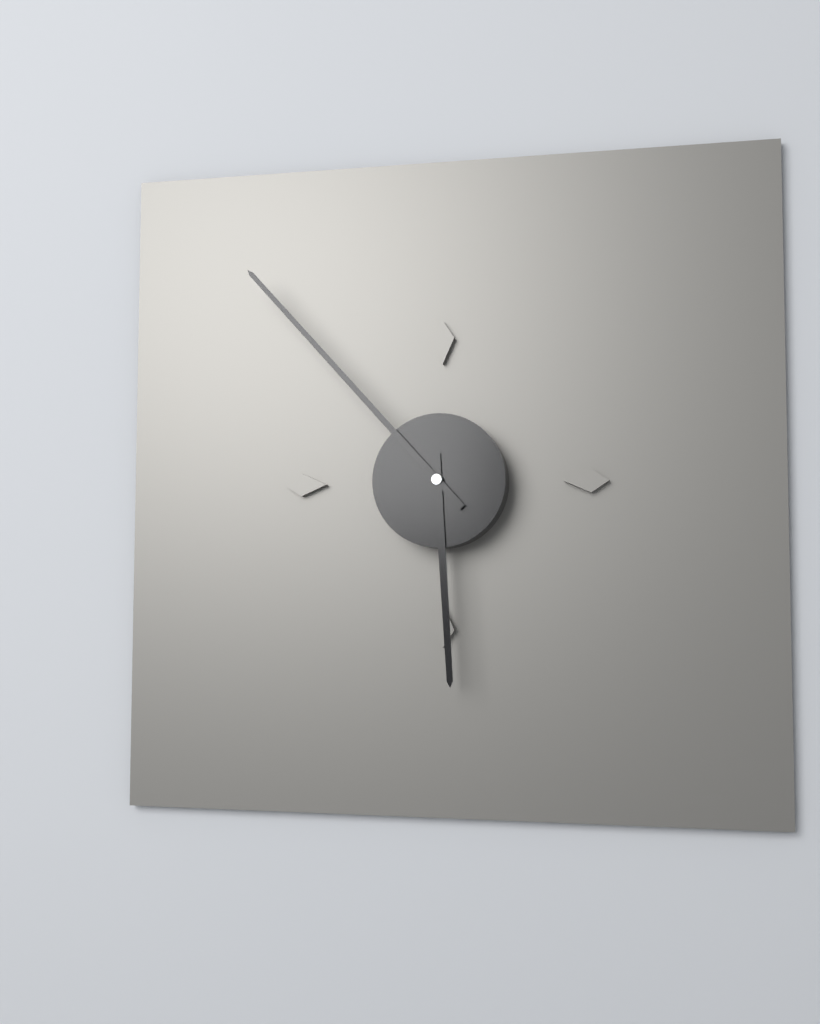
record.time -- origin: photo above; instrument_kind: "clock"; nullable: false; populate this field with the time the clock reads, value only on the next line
5:53
